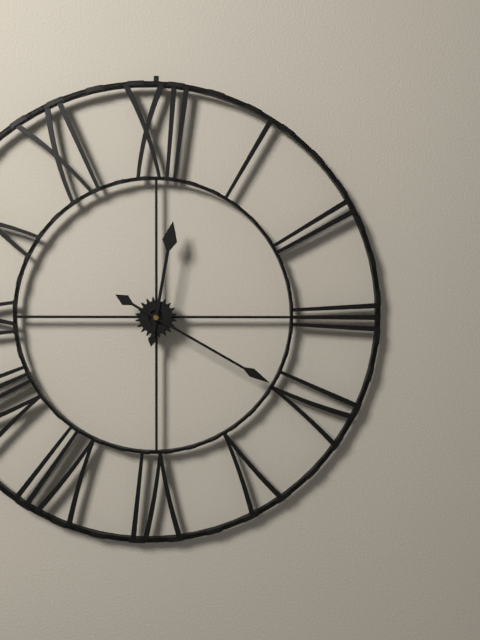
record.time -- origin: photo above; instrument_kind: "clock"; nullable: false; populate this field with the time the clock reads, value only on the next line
12:20
